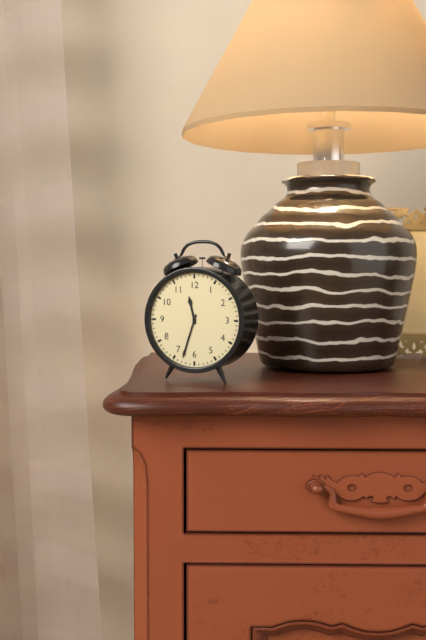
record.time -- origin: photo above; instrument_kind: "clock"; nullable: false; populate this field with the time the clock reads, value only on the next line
11:33
